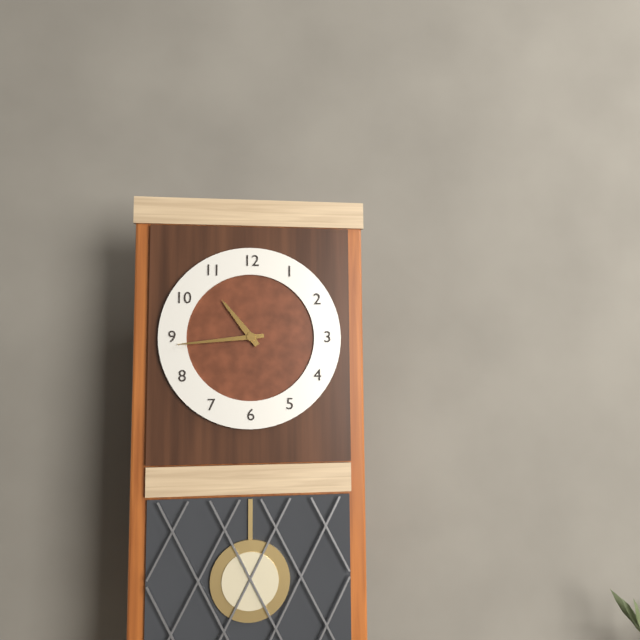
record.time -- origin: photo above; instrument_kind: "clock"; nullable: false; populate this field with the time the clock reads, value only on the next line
10:44
